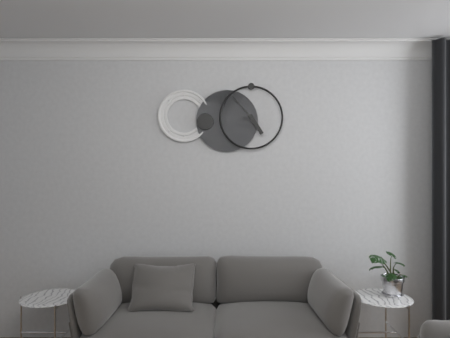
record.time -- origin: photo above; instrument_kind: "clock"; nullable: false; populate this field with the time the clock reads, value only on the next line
4:53
